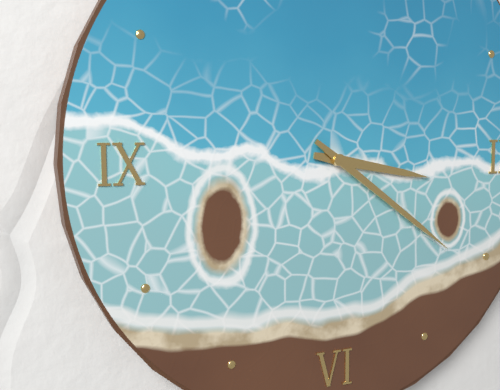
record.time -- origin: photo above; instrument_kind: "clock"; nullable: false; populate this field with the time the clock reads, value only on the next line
3:21
